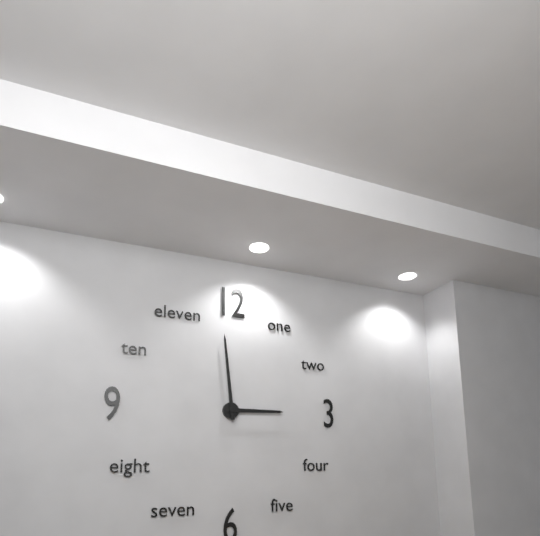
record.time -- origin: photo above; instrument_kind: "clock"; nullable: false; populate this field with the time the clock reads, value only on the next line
2:59
